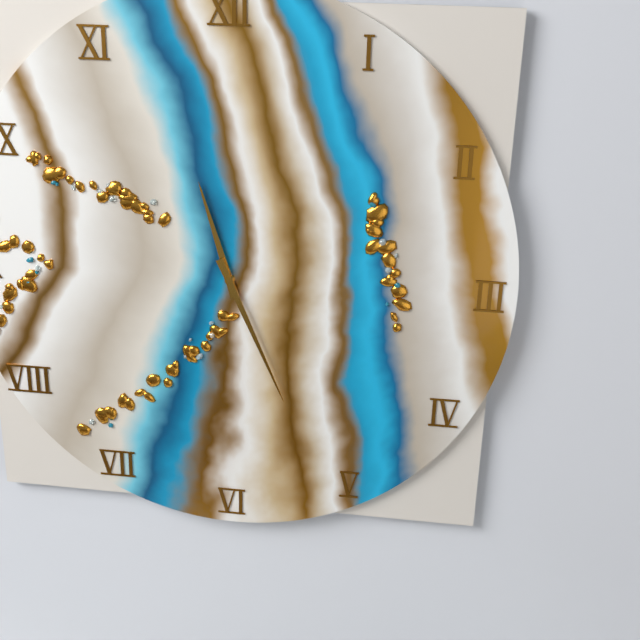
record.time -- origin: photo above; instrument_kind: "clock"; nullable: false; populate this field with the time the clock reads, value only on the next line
11:26
